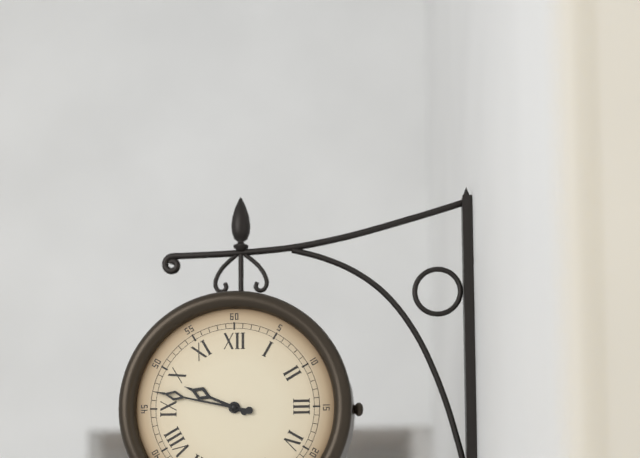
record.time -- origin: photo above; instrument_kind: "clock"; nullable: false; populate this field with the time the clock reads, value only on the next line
9:47
